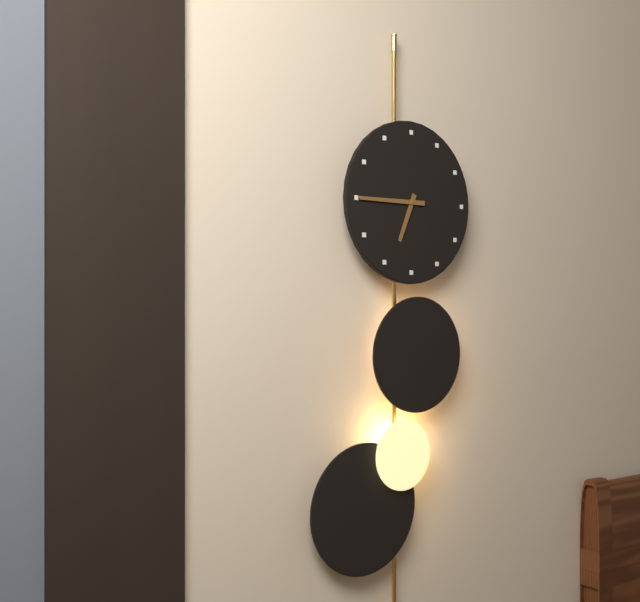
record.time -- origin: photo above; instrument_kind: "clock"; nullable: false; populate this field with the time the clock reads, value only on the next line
6:45
